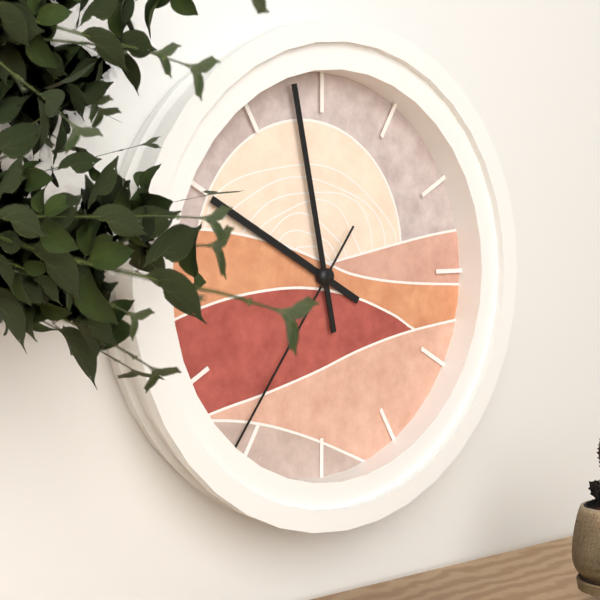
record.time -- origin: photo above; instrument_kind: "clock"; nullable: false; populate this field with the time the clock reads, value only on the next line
9:58:36
